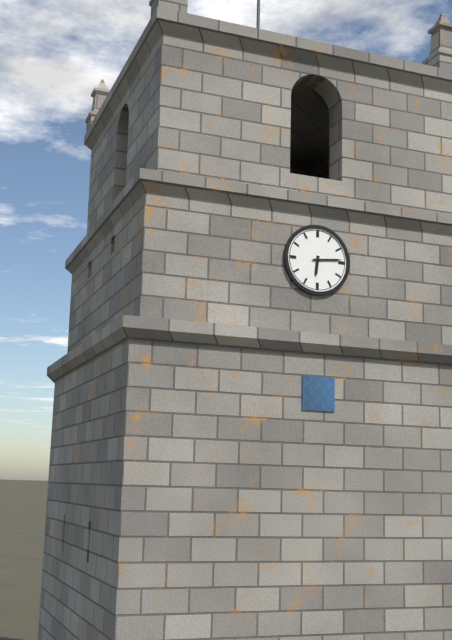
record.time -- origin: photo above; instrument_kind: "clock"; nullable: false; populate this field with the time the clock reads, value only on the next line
6:14
